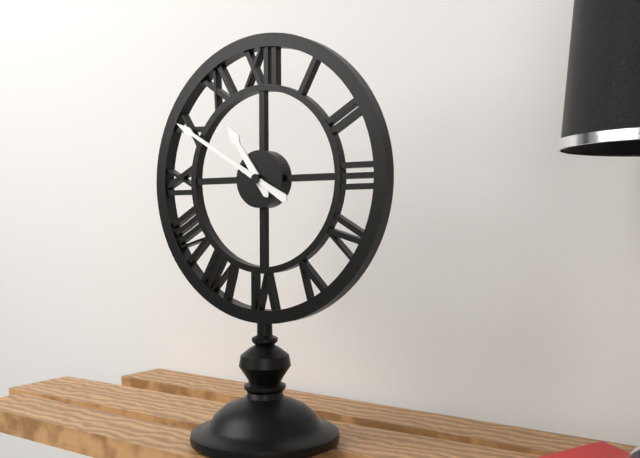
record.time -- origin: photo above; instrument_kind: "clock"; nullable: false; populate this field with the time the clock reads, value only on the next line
10:50
